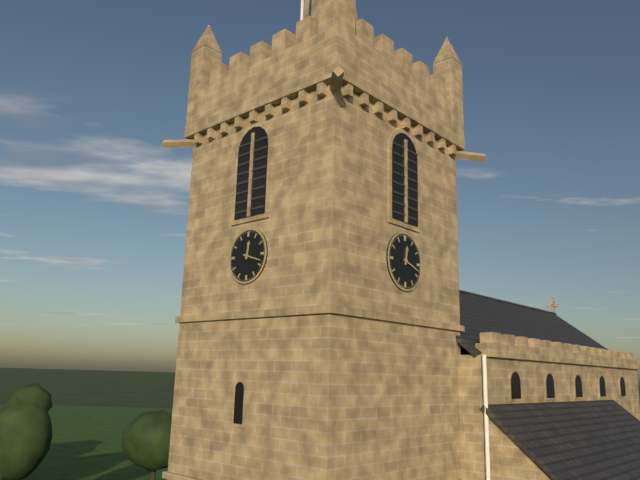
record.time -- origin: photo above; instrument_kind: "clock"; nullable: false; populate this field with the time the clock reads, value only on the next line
12:18
